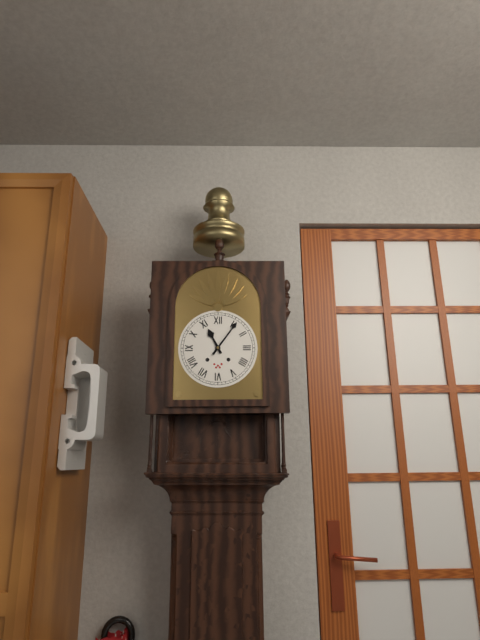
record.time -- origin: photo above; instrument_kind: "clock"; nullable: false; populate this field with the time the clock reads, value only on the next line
11:06
